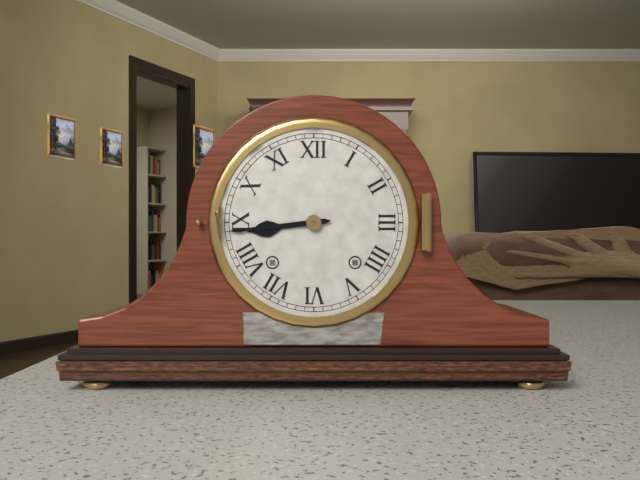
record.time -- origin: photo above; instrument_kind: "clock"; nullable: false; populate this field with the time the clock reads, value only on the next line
8:44
